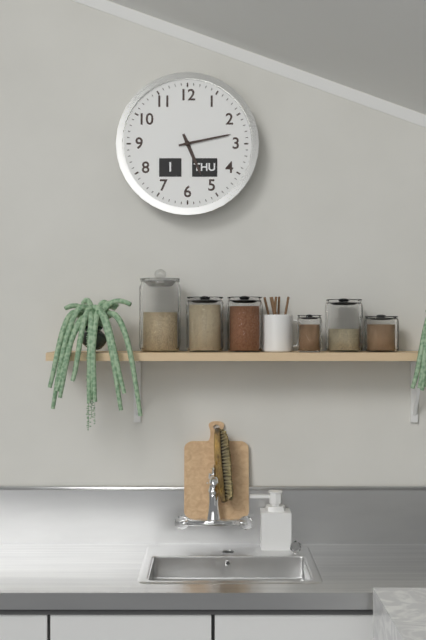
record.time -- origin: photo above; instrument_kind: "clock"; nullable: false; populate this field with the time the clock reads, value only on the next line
5:13
